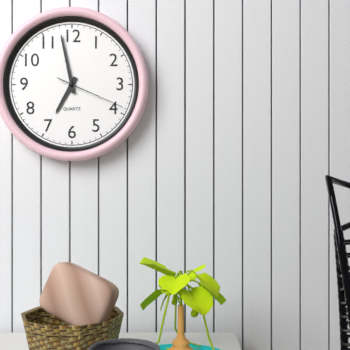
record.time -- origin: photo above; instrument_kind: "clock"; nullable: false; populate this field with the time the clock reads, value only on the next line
6:58:19
